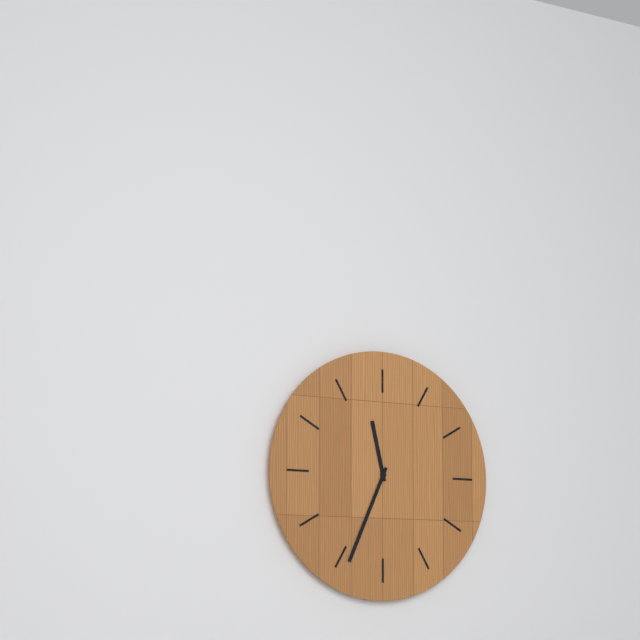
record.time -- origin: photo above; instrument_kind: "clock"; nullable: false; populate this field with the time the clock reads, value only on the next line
11:34
